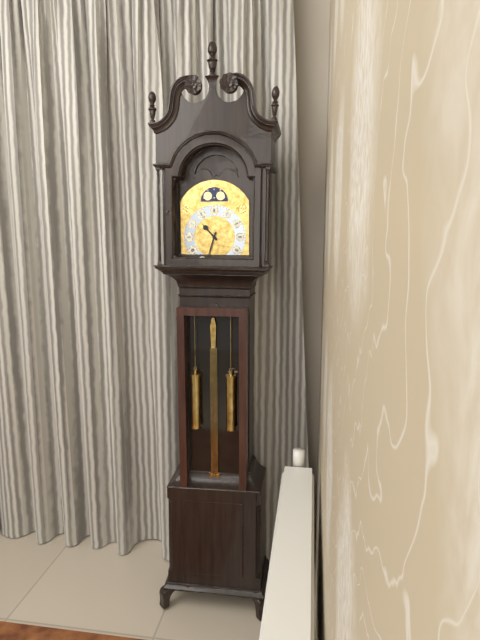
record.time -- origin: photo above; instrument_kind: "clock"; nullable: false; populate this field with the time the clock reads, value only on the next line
10:33
